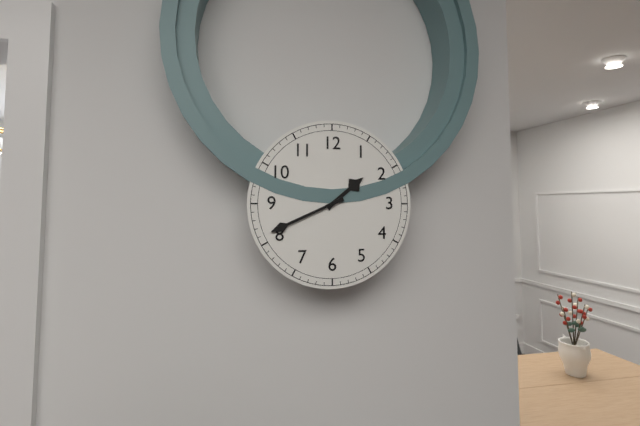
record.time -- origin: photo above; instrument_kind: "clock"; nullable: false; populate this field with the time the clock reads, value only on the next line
1:41
